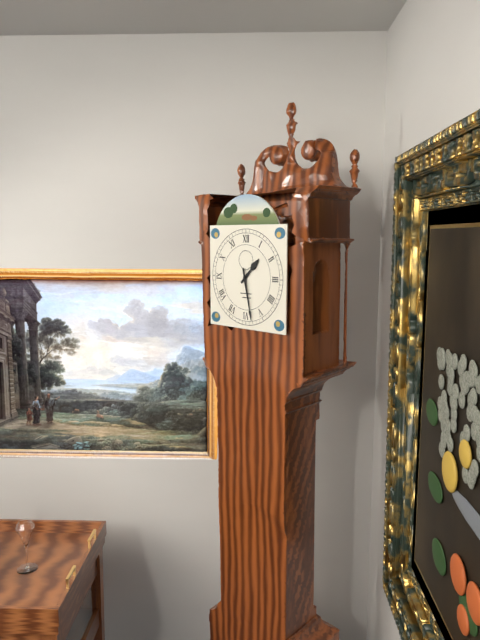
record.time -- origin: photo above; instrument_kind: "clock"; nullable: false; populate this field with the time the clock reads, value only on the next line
1:28
